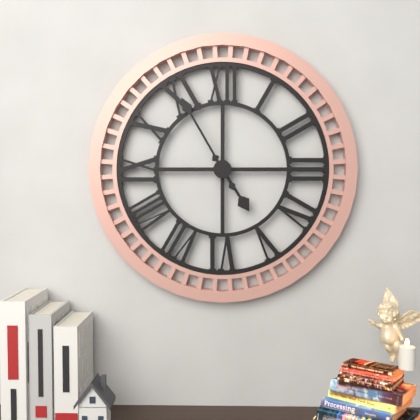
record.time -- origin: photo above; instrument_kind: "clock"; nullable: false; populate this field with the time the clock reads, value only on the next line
4:55
